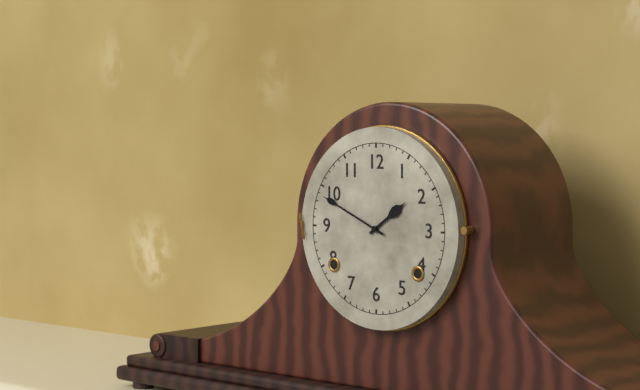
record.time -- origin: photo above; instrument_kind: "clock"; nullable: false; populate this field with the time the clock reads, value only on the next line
1:49
